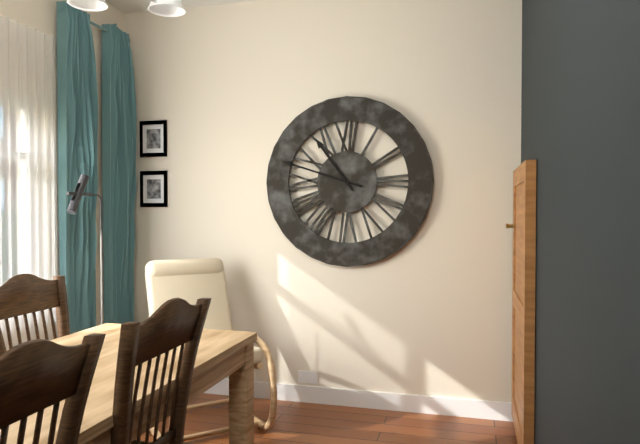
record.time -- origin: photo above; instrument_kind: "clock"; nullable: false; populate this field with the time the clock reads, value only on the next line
10:48
